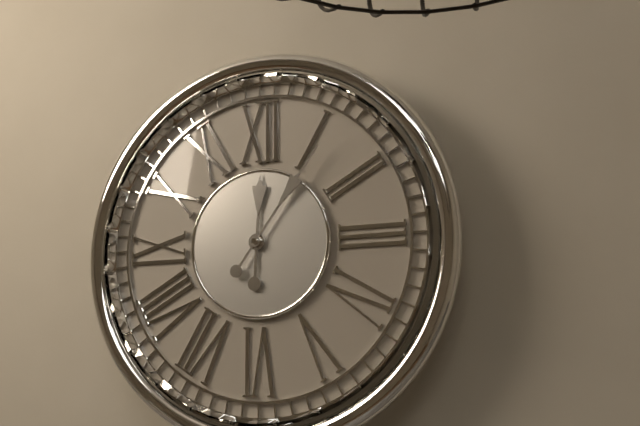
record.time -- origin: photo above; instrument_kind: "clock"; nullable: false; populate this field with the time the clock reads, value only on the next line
12:06
